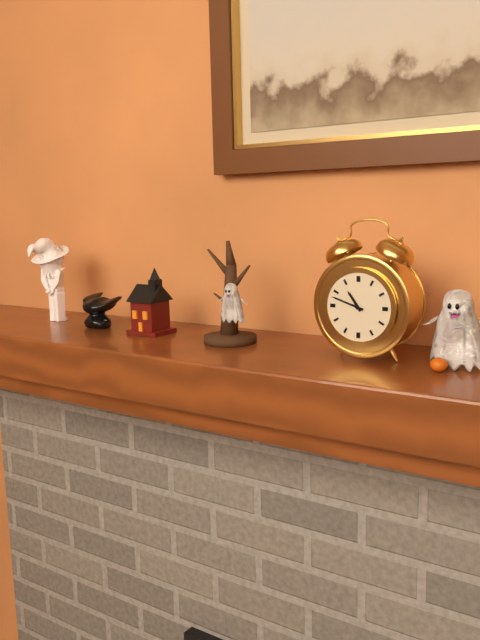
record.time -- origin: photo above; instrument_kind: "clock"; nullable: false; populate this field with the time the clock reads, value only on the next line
10:48
